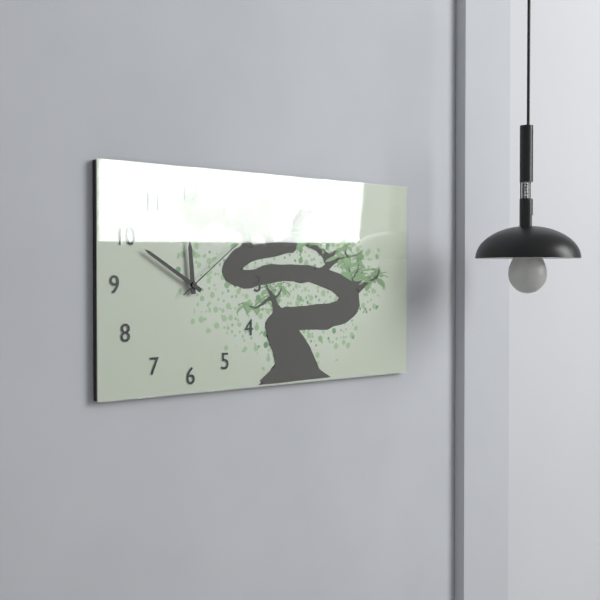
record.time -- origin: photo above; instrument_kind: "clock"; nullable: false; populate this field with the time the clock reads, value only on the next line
11:50:09
